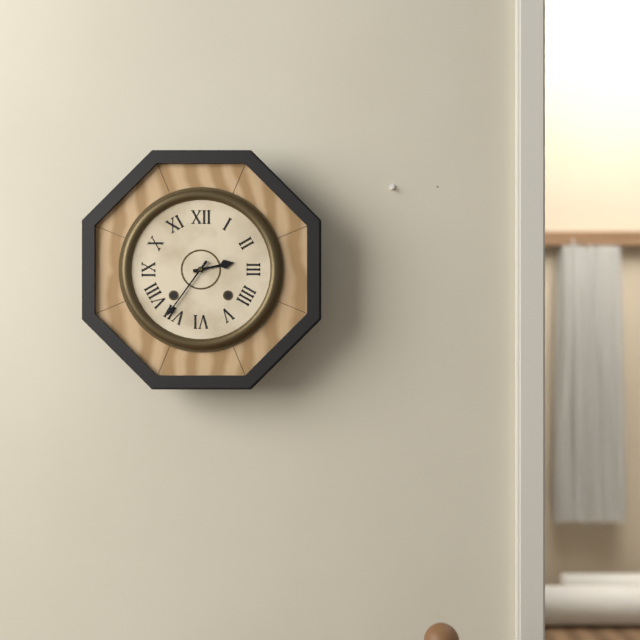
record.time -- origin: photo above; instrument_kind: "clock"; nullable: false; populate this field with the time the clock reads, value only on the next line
2:36
